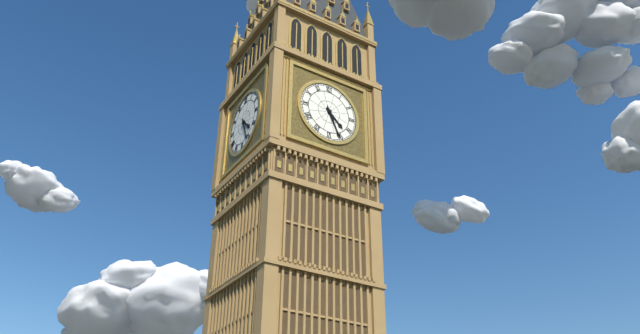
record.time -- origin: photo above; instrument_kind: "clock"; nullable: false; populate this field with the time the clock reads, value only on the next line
4:26
